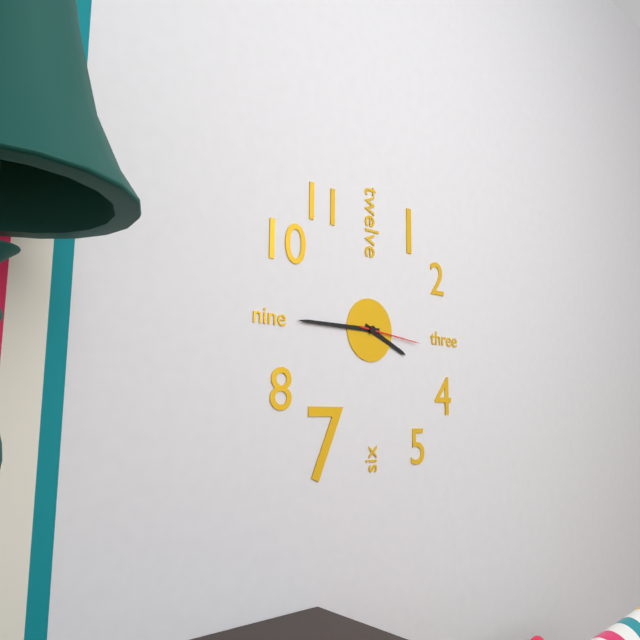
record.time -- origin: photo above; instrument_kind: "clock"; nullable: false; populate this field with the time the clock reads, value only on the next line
3:45:16
